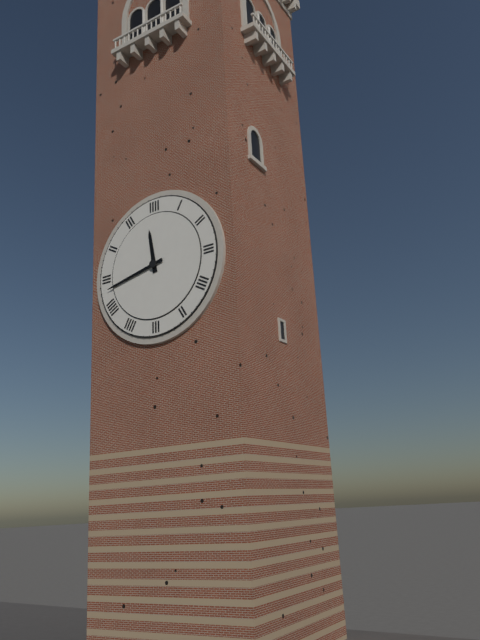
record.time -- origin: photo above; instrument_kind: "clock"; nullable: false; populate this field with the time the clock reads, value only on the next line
11:43
